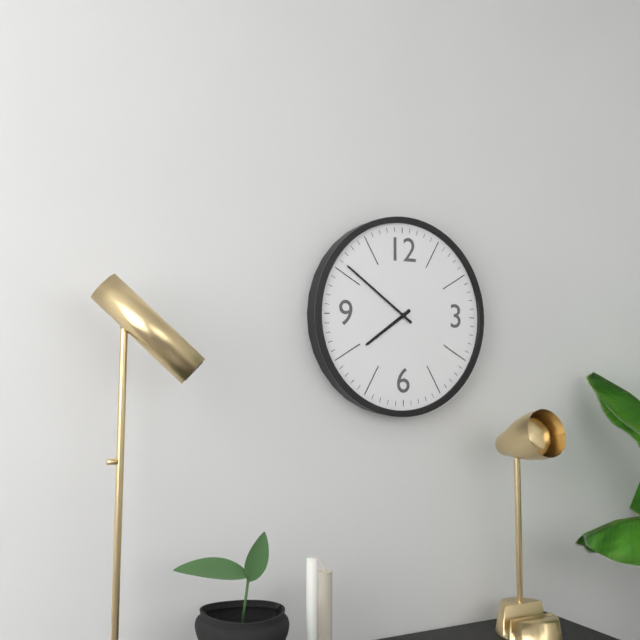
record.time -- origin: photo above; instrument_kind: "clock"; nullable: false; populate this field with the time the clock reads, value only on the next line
7:51
